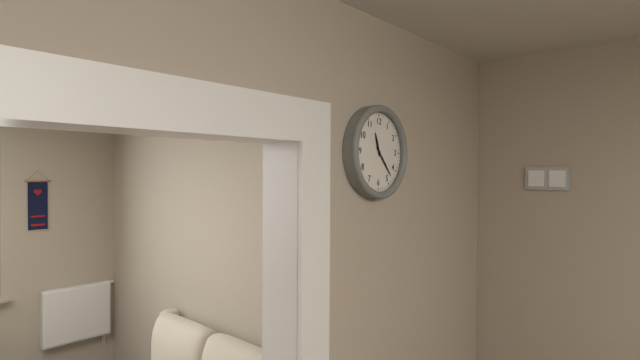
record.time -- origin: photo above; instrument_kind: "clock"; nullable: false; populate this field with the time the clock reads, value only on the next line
11:23
